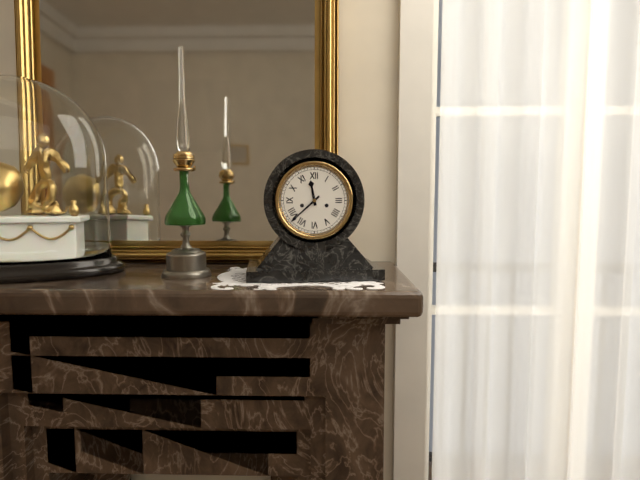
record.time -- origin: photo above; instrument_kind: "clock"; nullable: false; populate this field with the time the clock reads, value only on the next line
11:38
